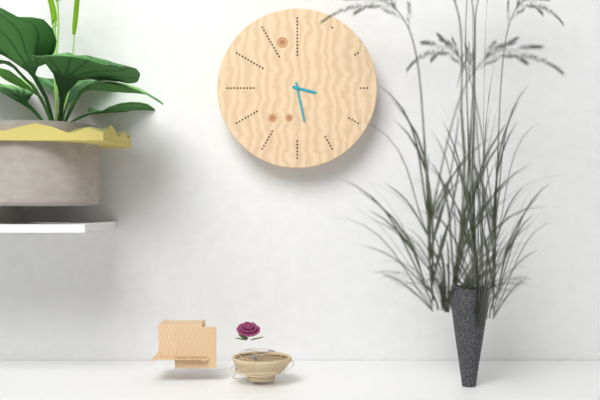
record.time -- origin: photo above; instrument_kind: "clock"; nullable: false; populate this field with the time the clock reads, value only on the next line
3:28
